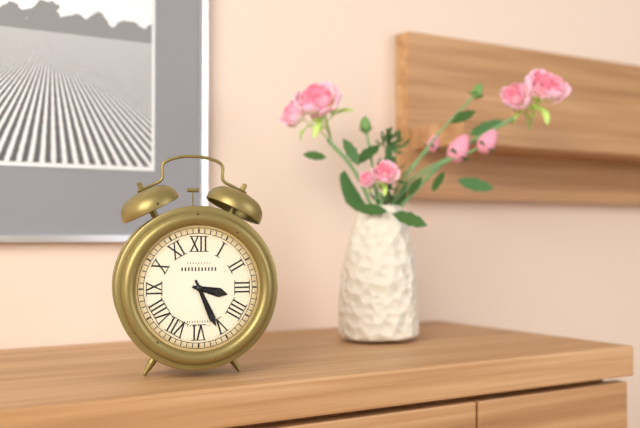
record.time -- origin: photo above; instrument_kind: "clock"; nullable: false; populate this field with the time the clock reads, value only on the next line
3:26
